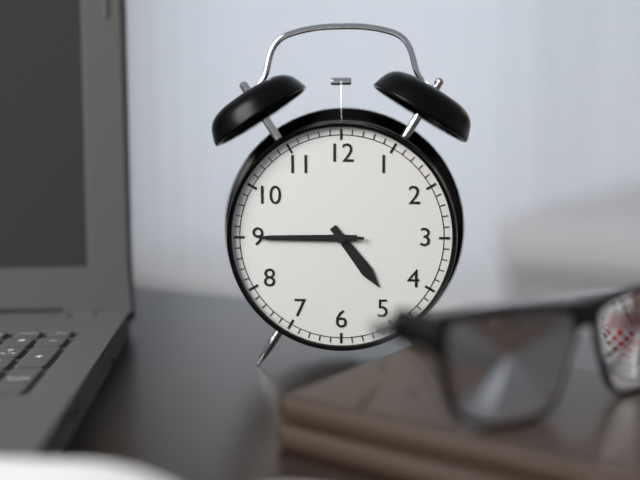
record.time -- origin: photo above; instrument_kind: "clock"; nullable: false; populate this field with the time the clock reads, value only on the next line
4:45:45
